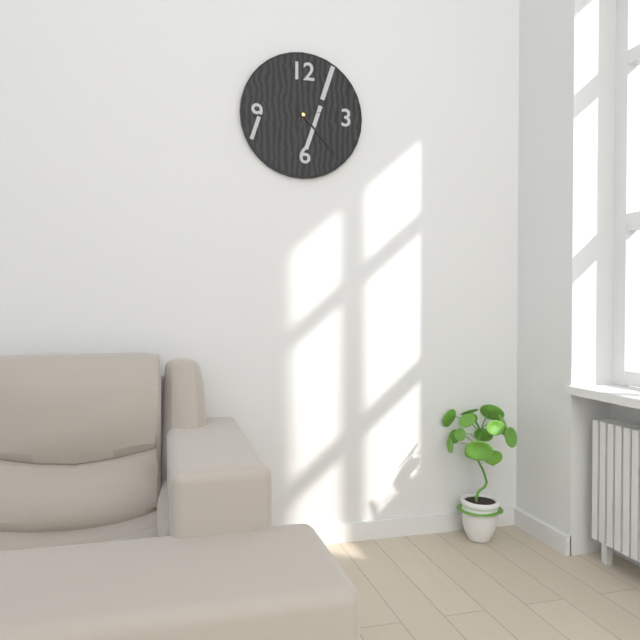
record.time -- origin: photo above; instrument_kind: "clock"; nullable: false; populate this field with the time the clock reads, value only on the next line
6:23
